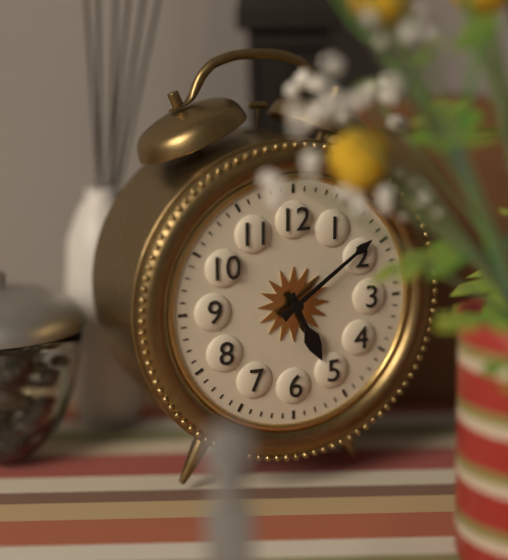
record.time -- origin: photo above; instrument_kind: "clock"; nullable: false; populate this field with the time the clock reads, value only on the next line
5:09
